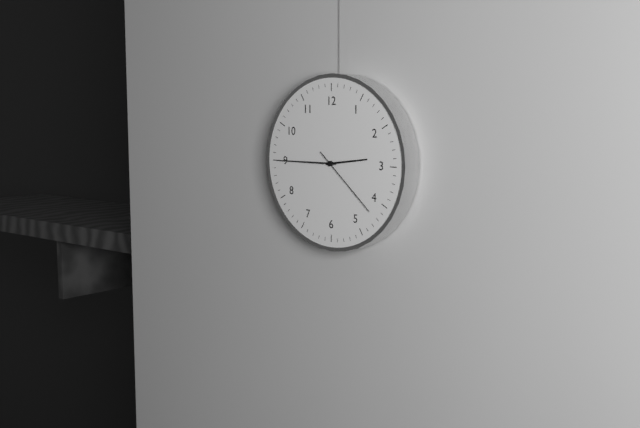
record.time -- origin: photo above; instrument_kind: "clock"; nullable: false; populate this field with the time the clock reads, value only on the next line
2:45:22
